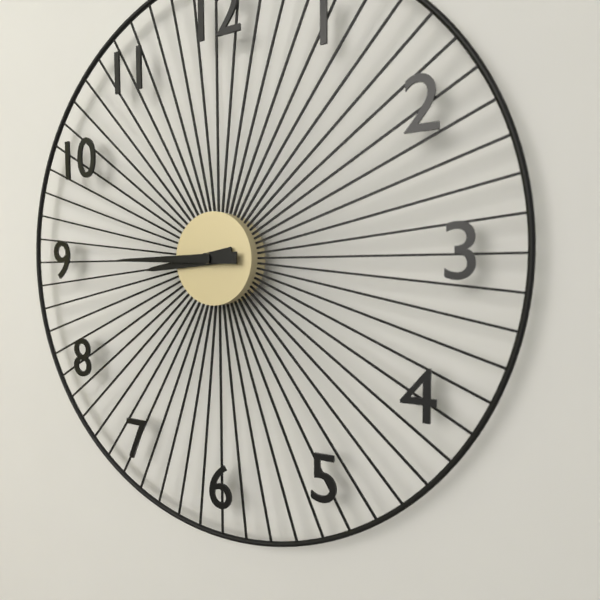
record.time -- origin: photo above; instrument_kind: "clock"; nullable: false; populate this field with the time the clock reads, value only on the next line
8:45
